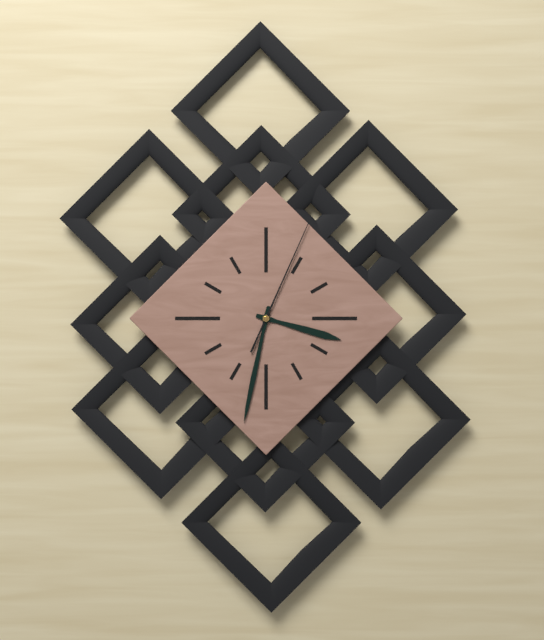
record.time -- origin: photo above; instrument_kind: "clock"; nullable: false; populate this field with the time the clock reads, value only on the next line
3:32:04
